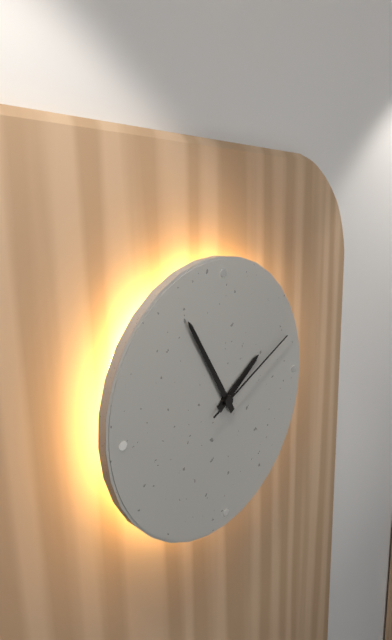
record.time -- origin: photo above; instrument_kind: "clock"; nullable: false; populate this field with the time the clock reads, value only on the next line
1:55:11
